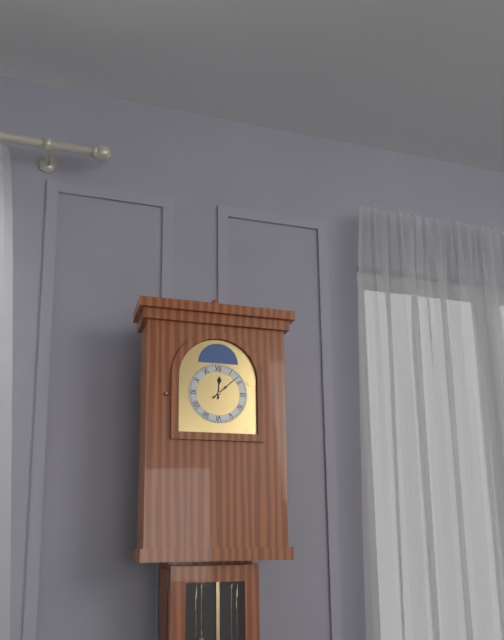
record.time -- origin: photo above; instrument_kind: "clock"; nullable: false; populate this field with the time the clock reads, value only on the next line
12:08
